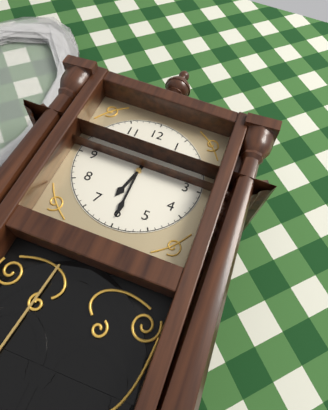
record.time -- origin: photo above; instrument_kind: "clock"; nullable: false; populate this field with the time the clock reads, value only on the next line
6:30
